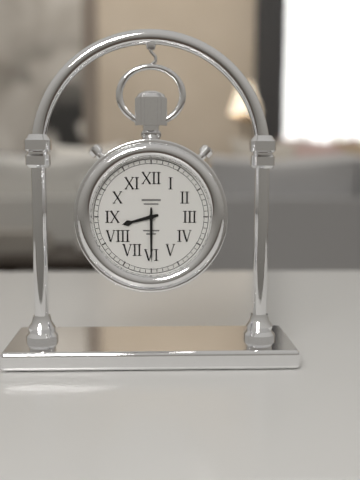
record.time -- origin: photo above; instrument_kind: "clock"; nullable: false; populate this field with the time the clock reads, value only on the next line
8:30
